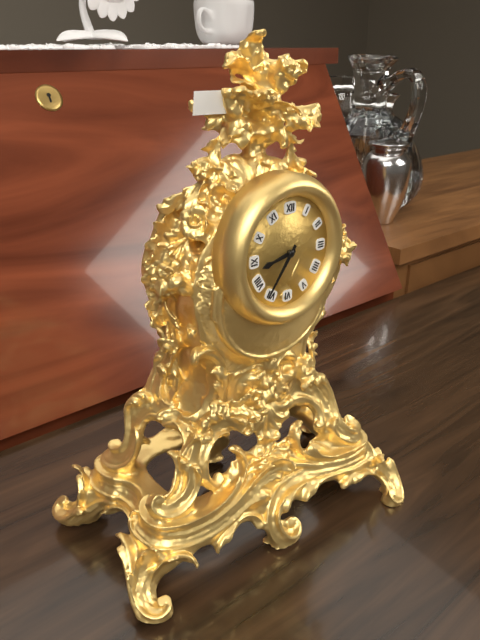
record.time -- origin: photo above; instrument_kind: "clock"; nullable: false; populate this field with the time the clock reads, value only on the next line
8:36
